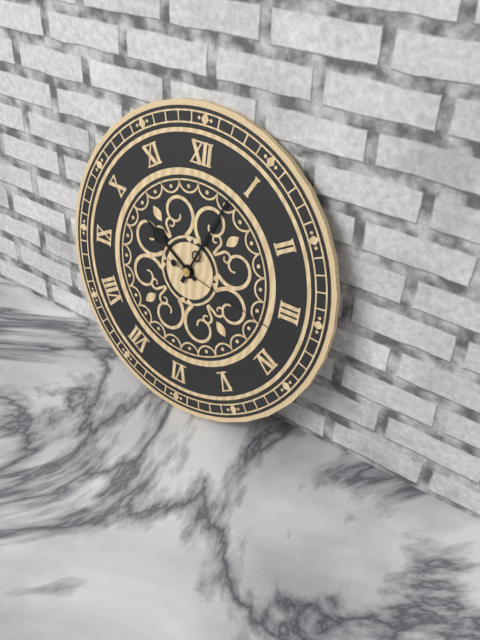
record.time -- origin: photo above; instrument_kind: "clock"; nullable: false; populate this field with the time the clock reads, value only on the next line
10:04:17
